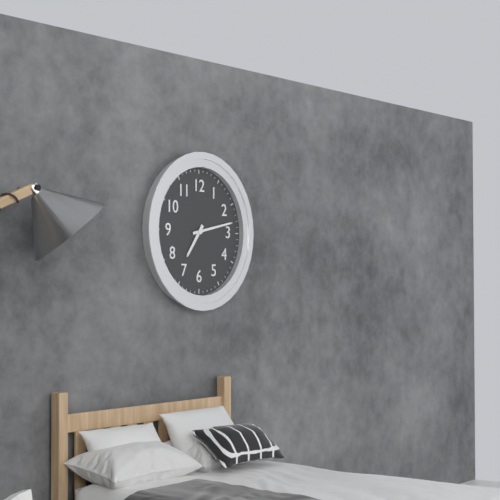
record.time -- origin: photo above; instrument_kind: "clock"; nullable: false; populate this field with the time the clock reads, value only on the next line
7:13
